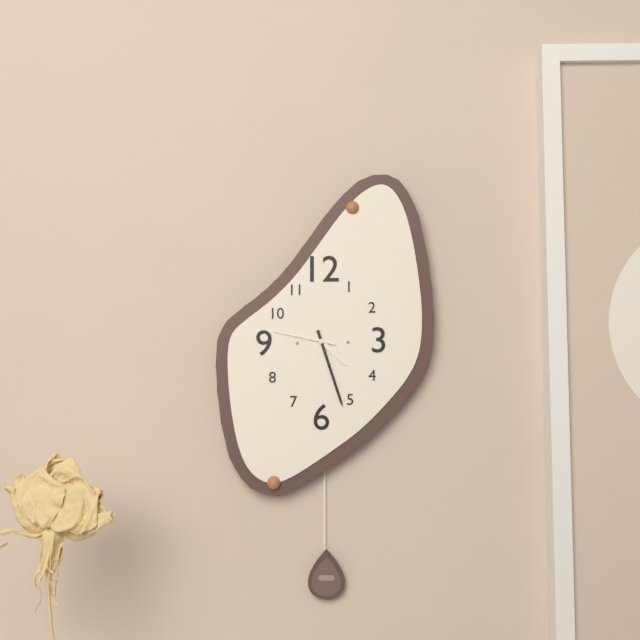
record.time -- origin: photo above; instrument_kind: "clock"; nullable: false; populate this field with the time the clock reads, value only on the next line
4:27:47
